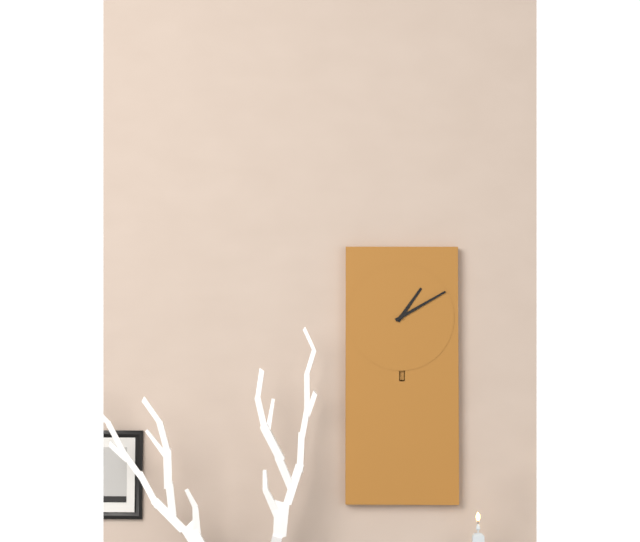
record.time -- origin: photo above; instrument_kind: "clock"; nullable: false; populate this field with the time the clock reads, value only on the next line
1:10
